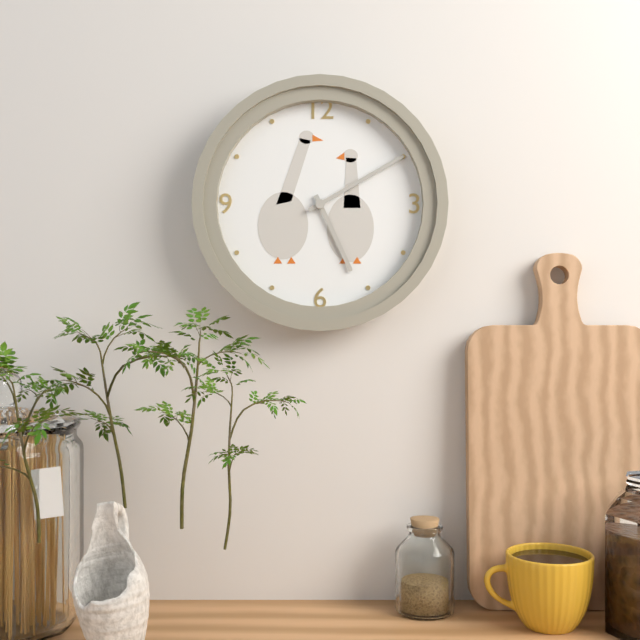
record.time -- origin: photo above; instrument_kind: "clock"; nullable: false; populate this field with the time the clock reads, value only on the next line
5:10
